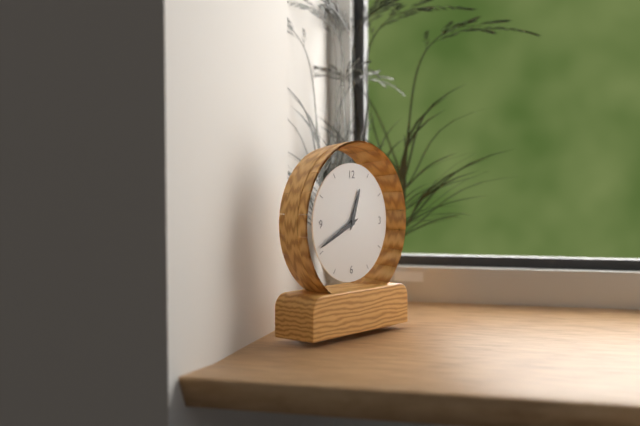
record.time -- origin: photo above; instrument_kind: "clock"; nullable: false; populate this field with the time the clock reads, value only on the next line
12:41
